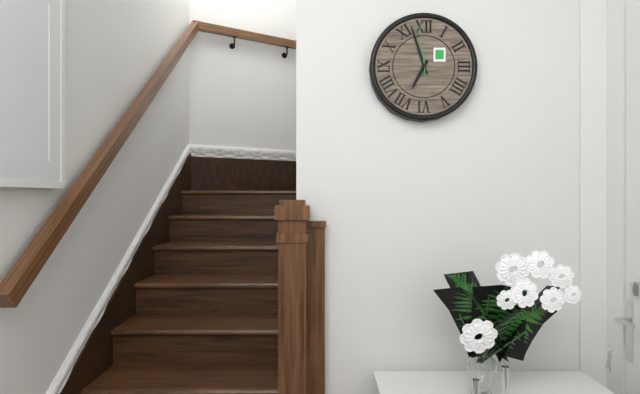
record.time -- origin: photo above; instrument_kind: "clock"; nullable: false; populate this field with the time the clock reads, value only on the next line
6:57:59
